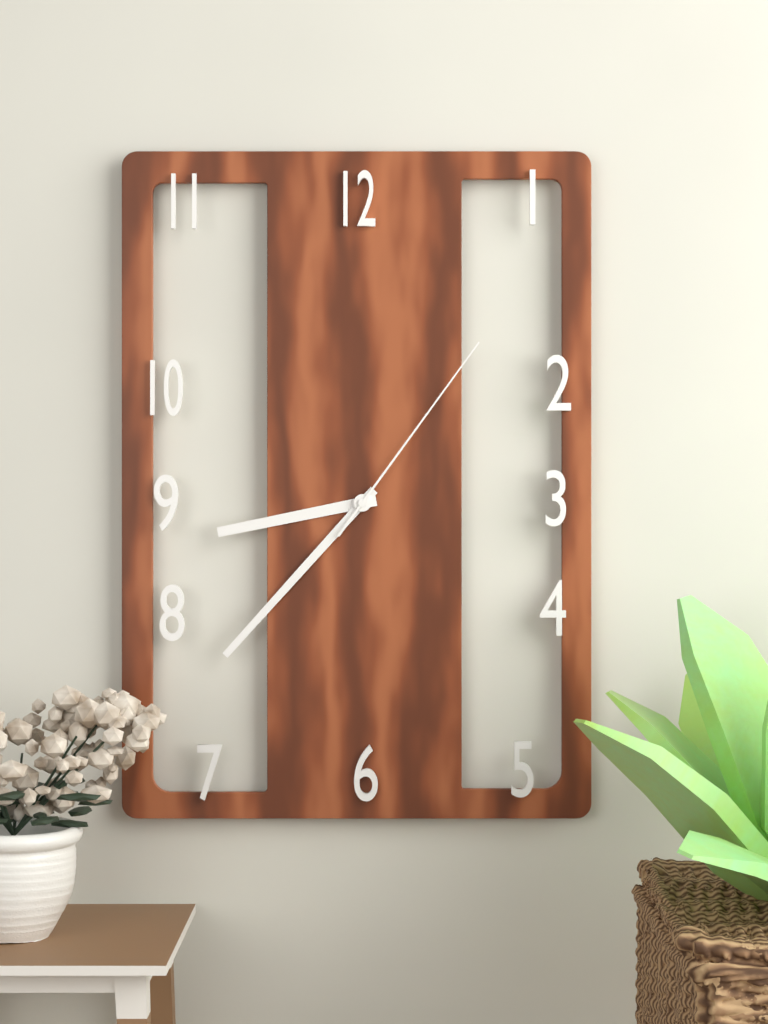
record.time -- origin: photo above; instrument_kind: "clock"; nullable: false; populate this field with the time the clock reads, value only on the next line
8:37:06
